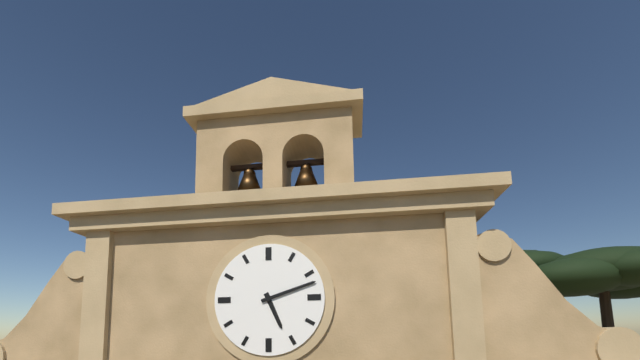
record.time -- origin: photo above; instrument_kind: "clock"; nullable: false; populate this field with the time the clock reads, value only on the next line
5:12
